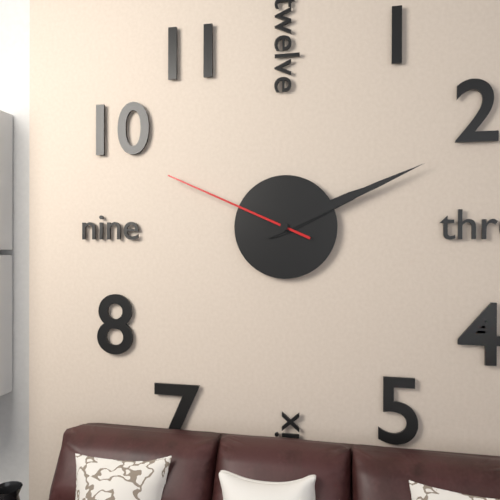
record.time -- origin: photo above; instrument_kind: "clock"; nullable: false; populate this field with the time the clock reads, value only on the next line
2:11:49
